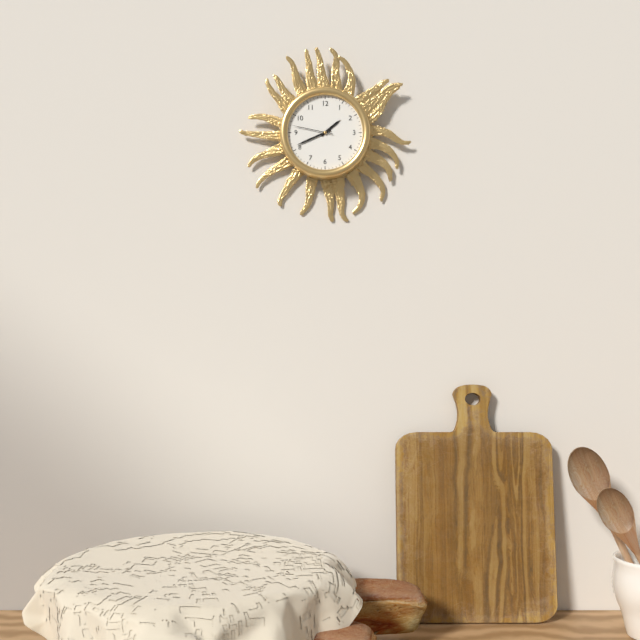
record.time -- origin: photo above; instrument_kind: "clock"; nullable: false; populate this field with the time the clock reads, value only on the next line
1:41
